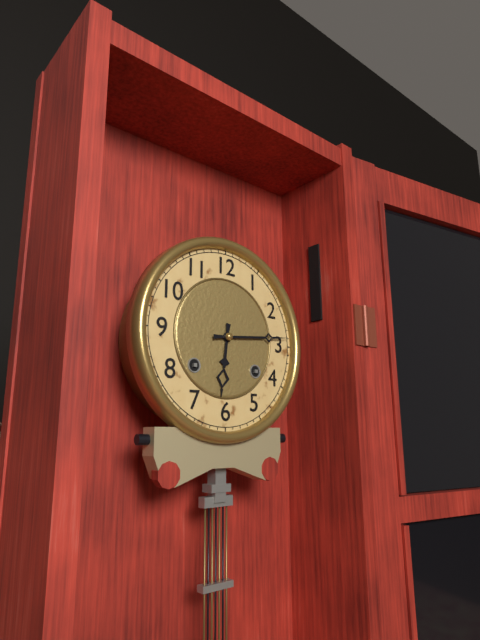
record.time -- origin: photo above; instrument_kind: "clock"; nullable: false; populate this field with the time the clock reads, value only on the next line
6:14
